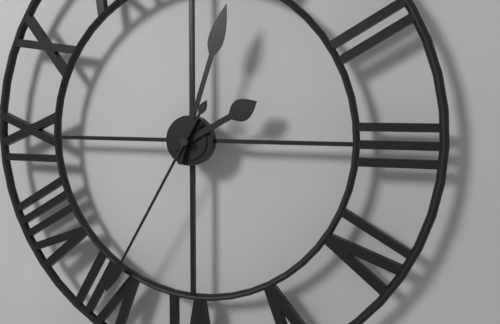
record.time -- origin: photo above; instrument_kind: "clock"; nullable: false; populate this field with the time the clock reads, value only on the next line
2:03:35
